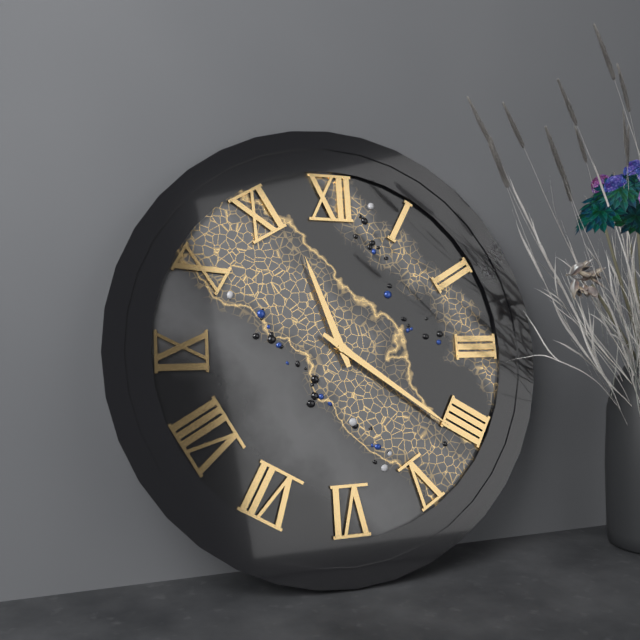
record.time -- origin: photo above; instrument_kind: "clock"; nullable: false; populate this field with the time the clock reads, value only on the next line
11:21
